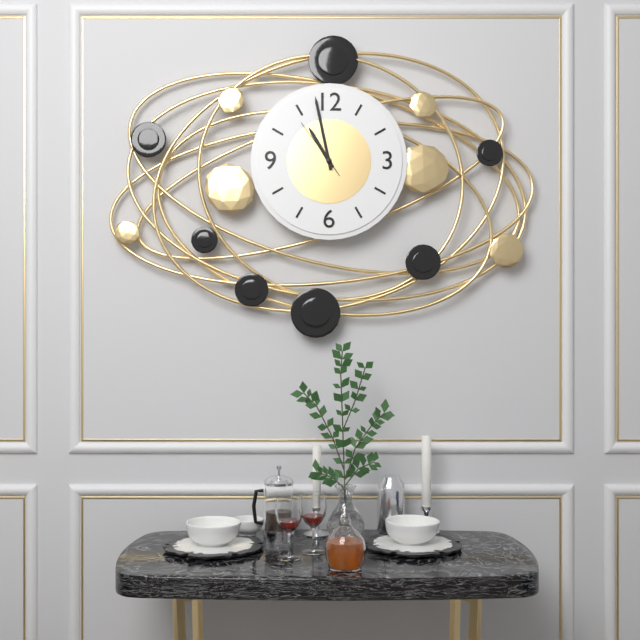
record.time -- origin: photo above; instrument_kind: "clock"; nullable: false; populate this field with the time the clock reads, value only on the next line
10:58:54
